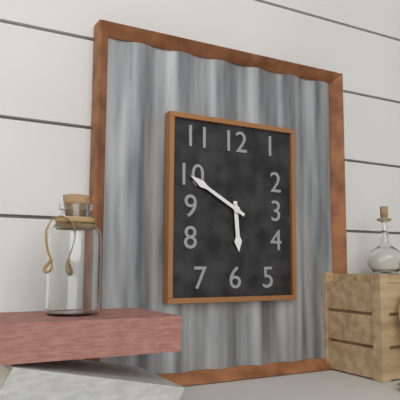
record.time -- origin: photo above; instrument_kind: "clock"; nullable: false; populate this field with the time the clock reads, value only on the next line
5:50
